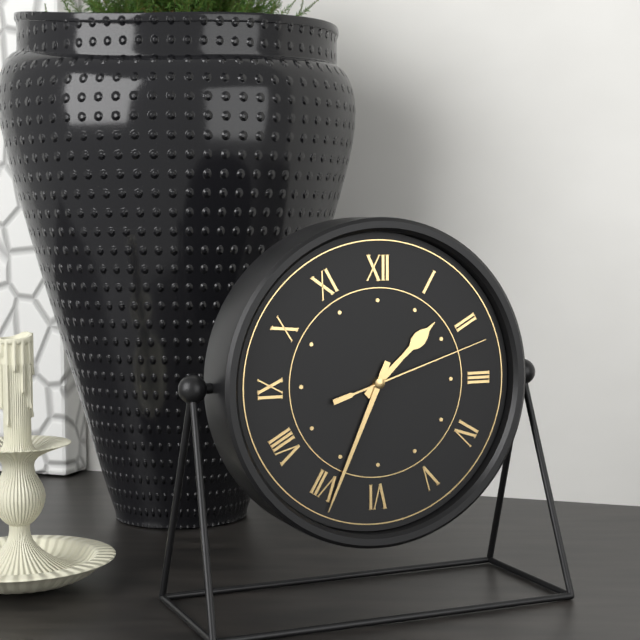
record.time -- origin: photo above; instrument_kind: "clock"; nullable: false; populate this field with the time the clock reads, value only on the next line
1:34:12
